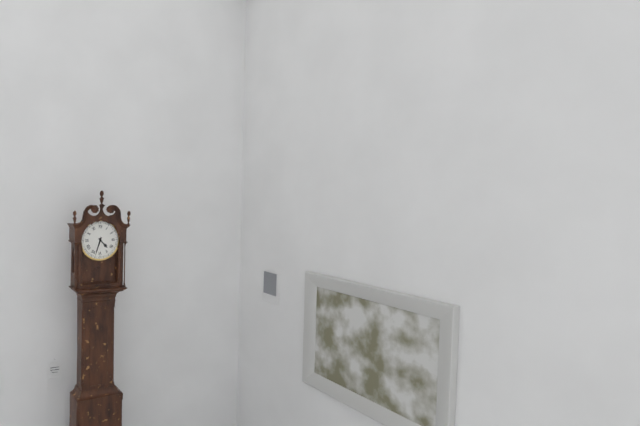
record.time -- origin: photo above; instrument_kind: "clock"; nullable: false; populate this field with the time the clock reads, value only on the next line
4:33
